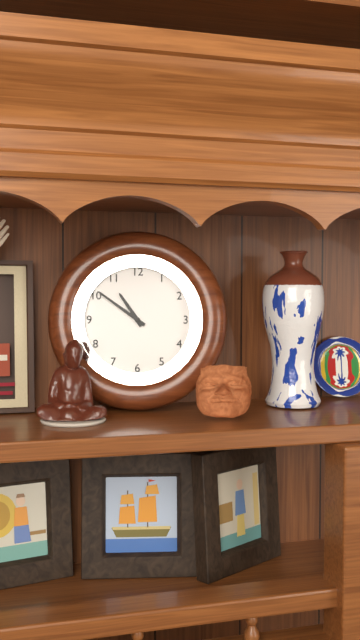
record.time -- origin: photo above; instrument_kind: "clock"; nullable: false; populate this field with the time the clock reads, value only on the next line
10:51
